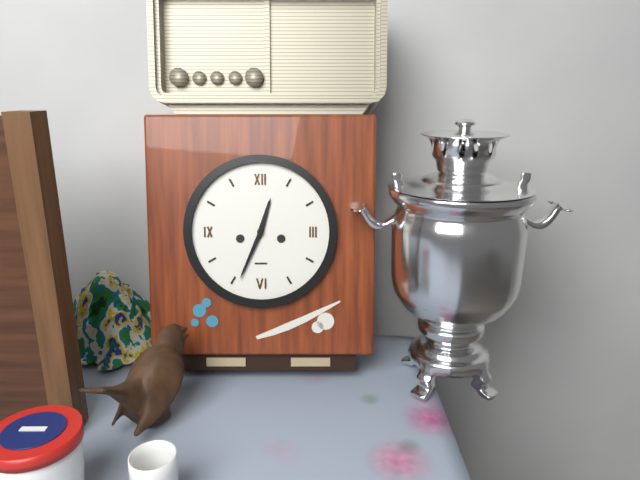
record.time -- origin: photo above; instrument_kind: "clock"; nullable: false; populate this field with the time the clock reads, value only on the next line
12:34
